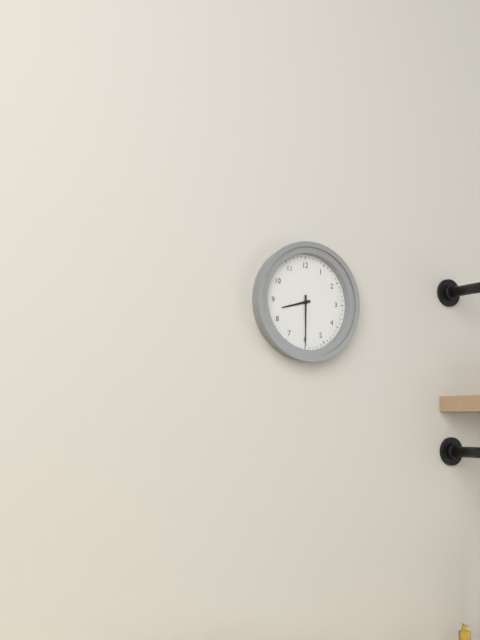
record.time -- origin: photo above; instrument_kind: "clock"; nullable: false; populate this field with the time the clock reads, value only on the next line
8:30
